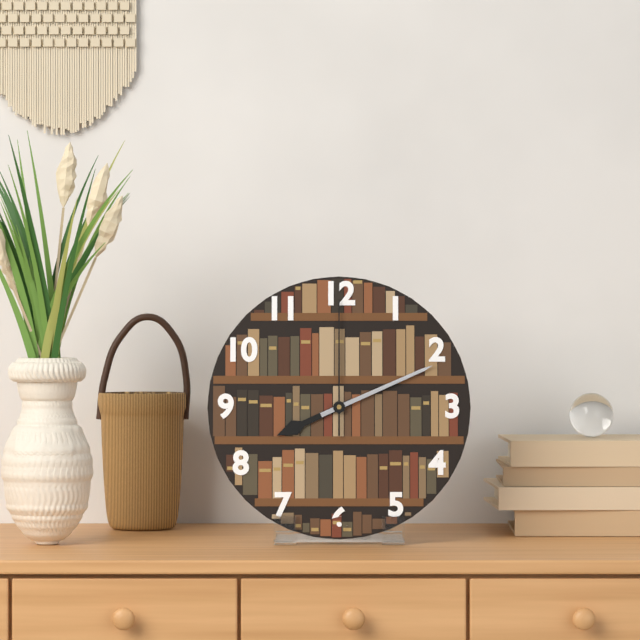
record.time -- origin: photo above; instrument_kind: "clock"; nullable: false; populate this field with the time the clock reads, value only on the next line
8:11:00
